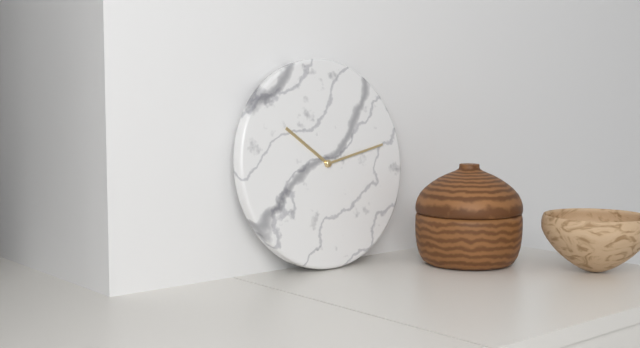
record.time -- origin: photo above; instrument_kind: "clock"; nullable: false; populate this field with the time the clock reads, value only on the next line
10:13
